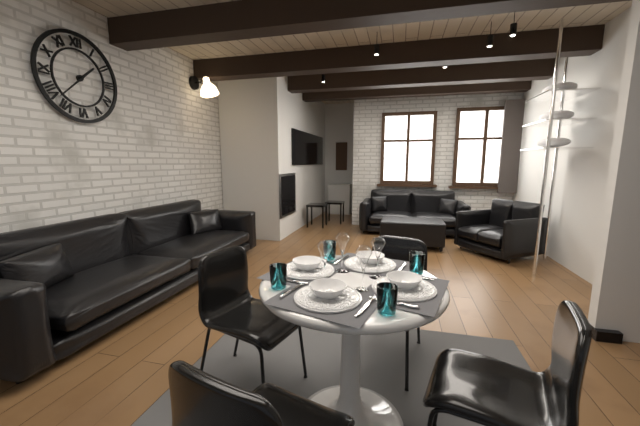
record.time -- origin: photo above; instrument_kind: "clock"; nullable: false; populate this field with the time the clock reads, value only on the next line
1:38
